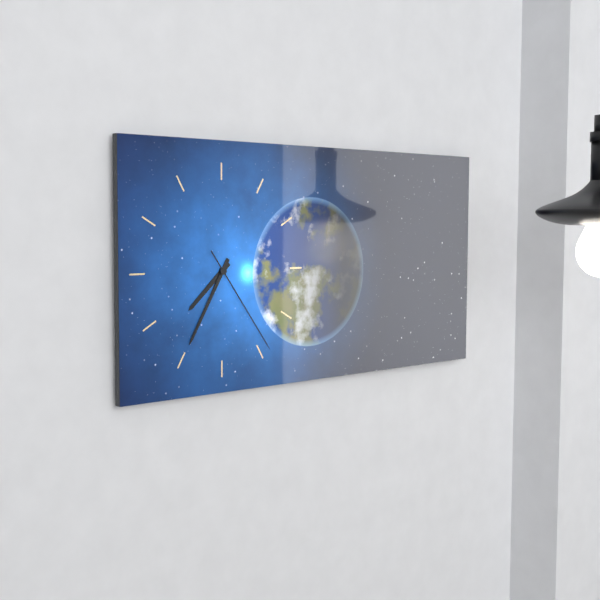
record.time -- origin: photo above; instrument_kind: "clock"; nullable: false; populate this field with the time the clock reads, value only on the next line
7:35:24
